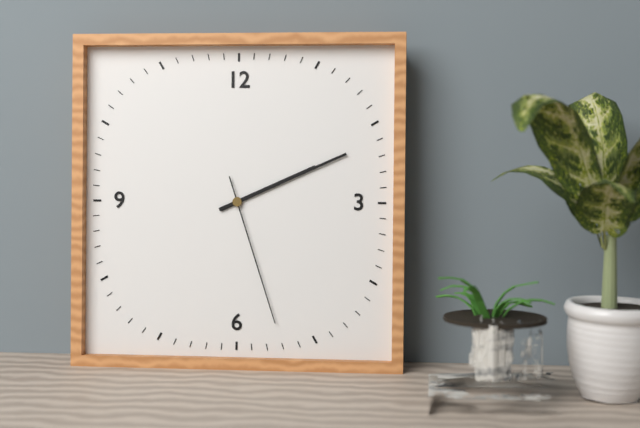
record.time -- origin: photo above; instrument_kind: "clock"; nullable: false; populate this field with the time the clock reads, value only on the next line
2:11:27
